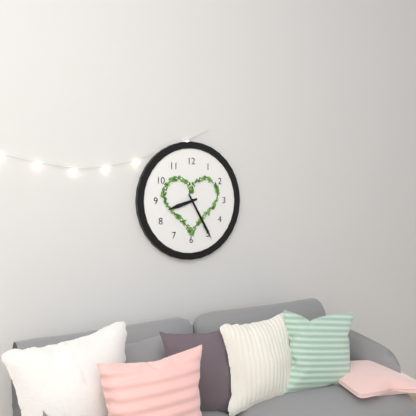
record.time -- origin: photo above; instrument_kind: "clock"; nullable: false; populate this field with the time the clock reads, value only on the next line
8:25
